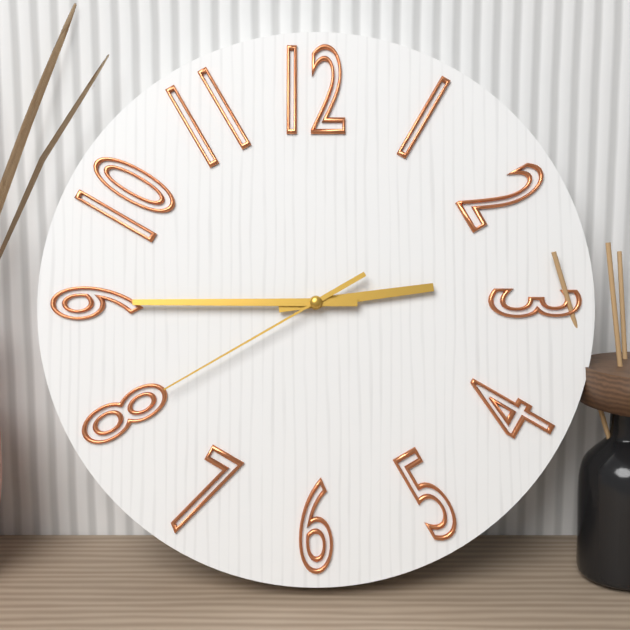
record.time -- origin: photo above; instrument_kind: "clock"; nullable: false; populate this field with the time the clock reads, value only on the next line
2:45:40
